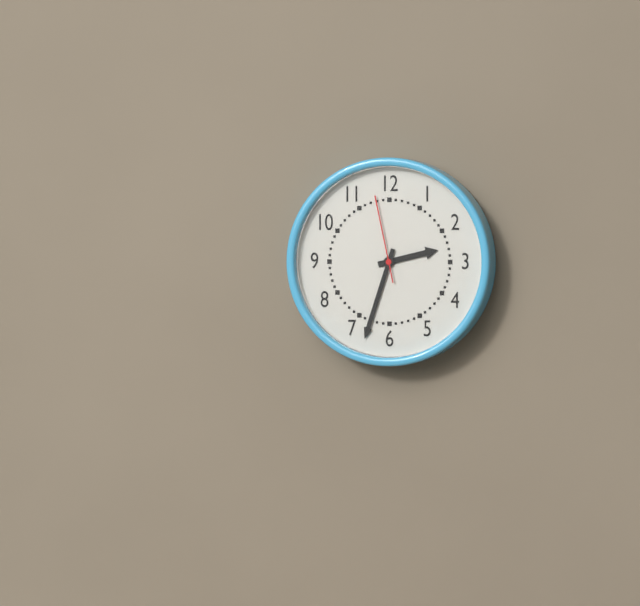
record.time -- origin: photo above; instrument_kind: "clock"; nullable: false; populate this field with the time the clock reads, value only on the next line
2:33:58
